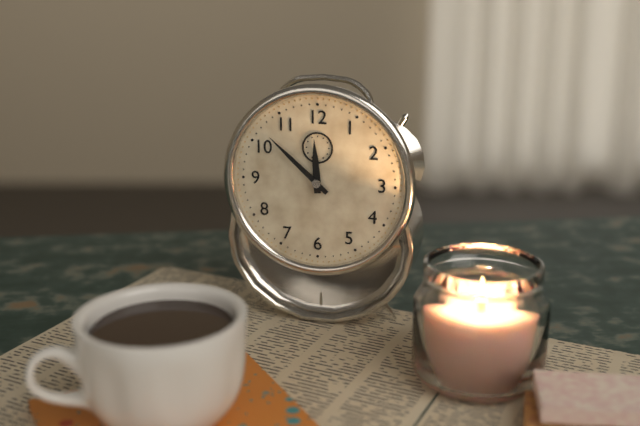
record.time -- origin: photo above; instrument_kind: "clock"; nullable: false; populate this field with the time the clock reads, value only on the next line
11:52
